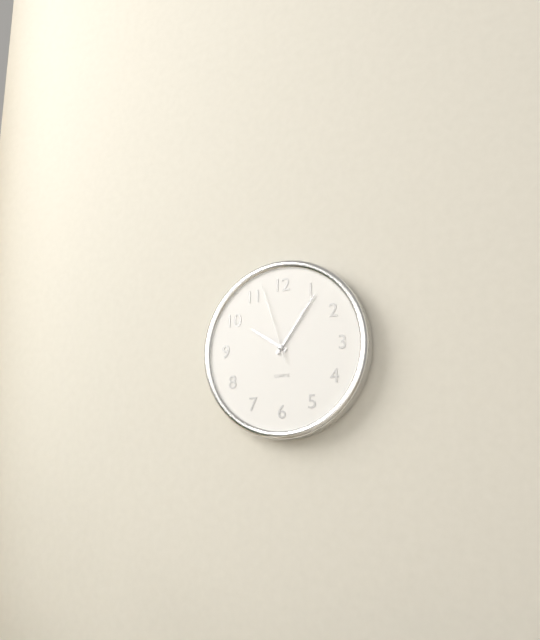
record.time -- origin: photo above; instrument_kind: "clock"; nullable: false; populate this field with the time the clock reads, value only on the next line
10:06:57
